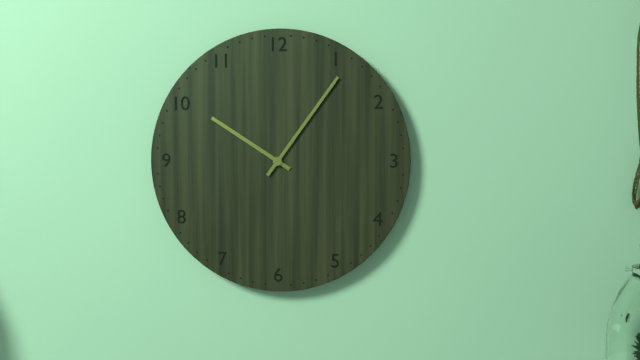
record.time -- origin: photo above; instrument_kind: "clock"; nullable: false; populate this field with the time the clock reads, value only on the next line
10:06
